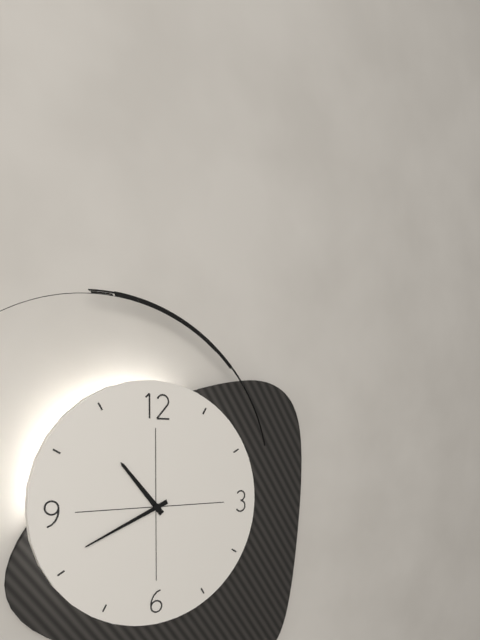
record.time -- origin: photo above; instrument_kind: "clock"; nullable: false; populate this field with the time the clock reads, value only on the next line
10:41
